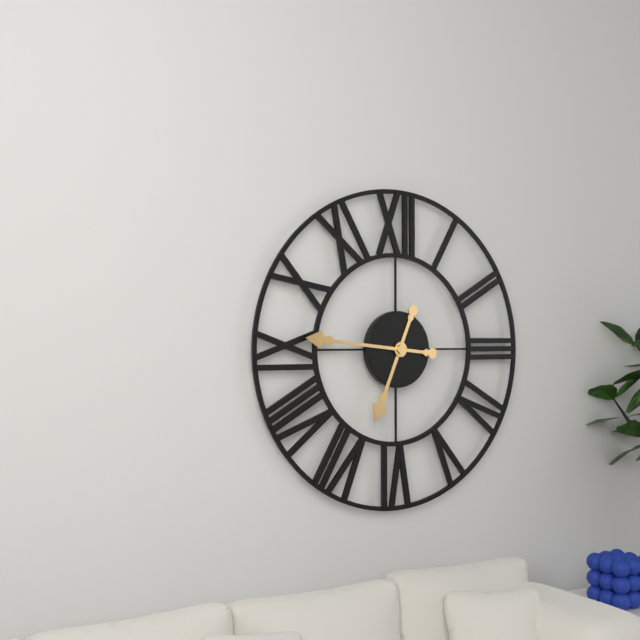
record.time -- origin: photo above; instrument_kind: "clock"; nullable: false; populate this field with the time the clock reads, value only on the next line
6:46
